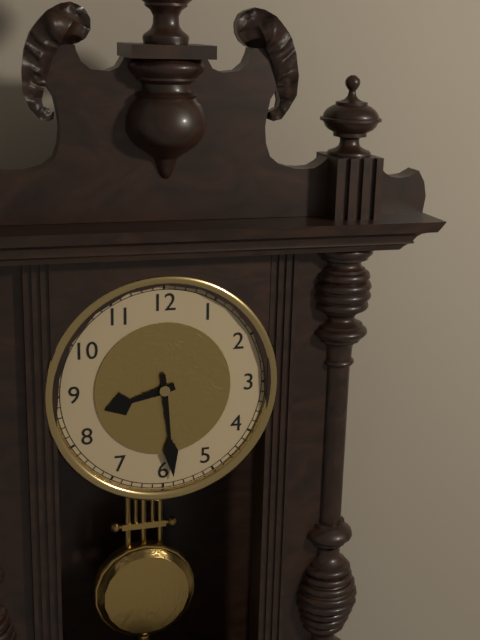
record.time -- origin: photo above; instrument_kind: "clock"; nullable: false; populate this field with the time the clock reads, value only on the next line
8:29
